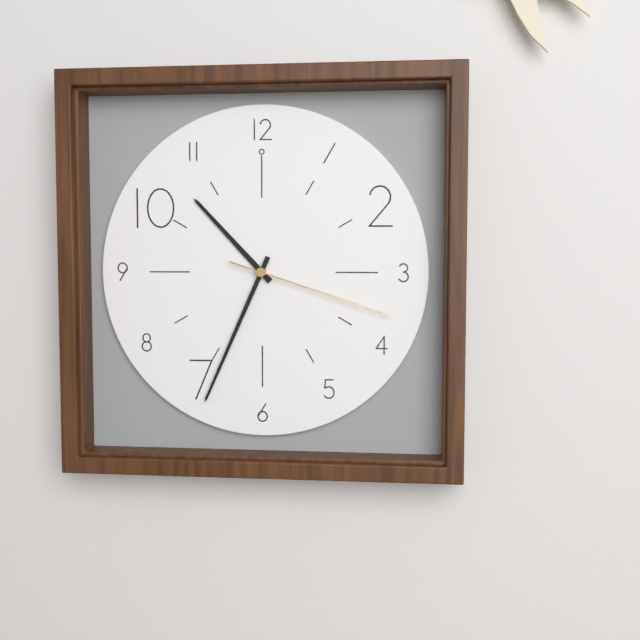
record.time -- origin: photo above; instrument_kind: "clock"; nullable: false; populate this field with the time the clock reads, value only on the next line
10:34:18
